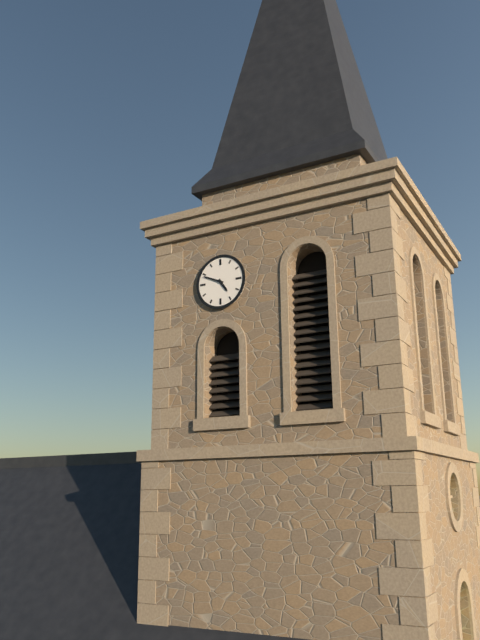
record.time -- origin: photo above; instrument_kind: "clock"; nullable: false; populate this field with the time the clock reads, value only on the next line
4:49
